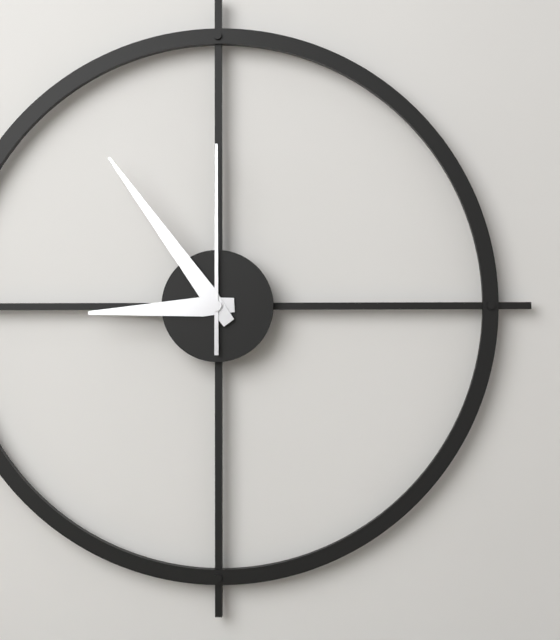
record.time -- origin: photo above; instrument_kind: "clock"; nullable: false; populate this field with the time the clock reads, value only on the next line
8:54:00
